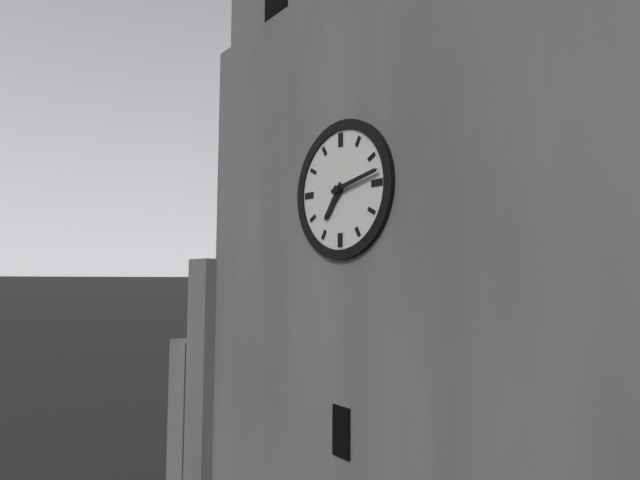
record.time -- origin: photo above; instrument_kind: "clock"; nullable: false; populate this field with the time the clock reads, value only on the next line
7:13
